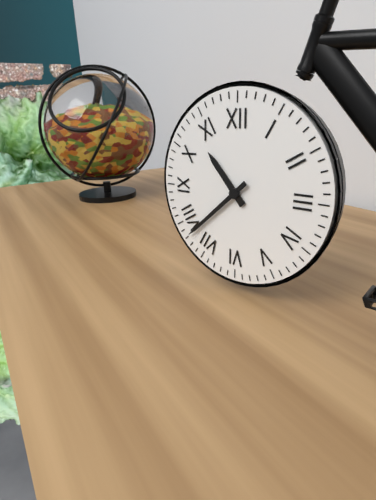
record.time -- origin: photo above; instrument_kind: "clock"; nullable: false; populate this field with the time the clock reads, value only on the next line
10:38
